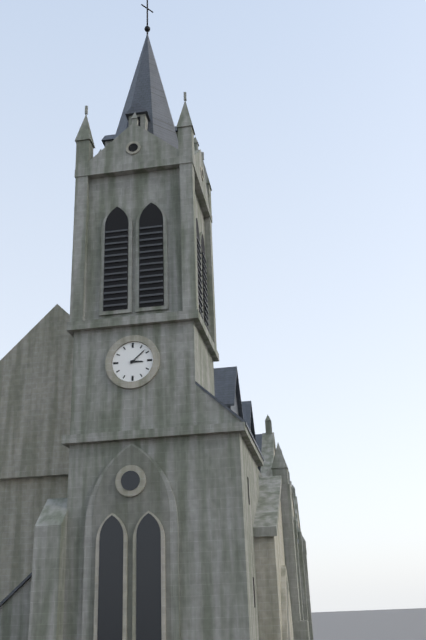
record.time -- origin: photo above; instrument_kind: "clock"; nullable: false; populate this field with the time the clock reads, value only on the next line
3:08
